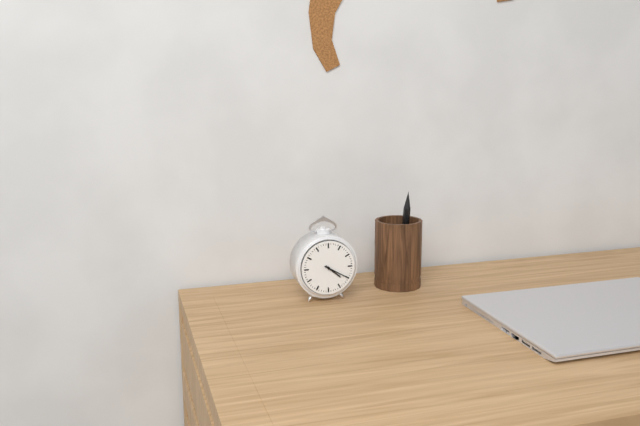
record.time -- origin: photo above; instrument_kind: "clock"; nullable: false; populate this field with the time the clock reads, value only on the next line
4:20
